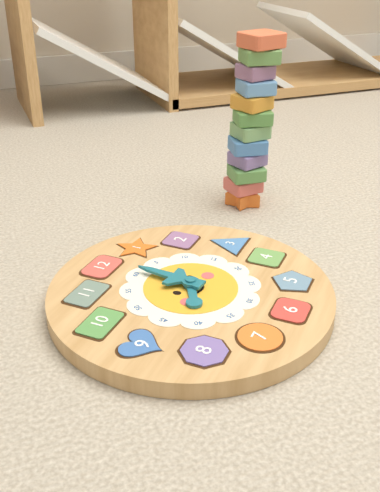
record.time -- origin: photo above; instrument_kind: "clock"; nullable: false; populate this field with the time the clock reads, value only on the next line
8:01
